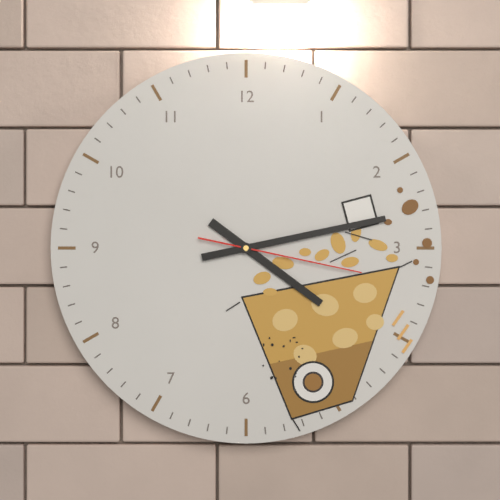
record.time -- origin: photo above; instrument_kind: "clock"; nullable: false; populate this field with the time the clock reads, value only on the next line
4:13:17
